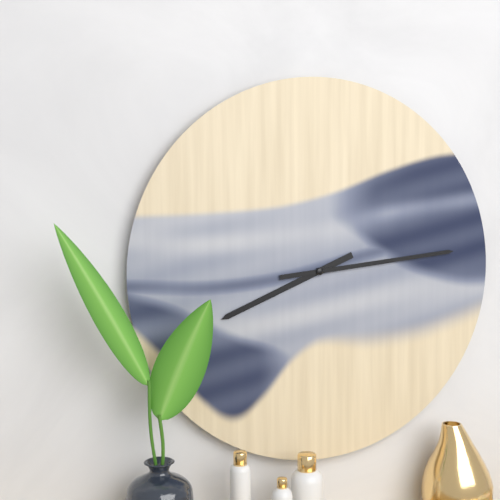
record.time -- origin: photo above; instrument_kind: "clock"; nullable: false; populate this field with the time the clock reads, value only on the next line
8:14
